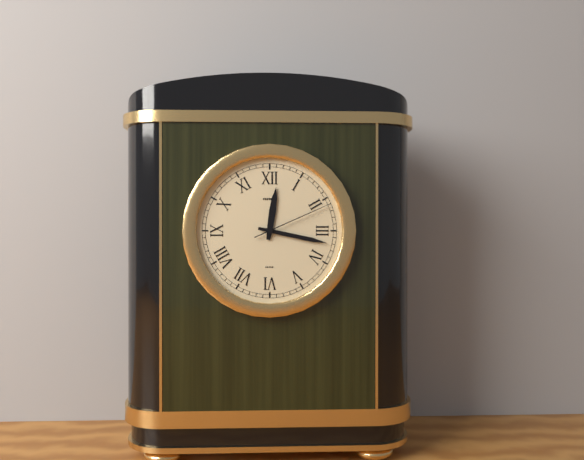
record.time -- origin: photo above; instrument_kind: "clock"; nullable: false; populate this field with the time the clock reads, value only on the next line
12:17:11
